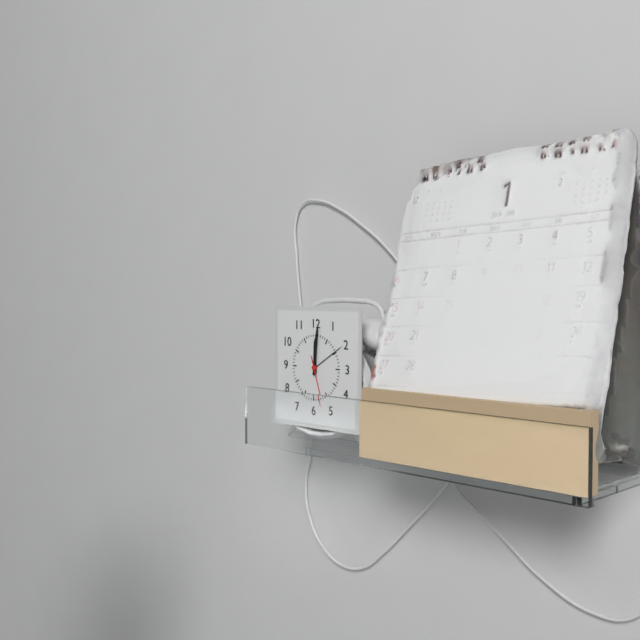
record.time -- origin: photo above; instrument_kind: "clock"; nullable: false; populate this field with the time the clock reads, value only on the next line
12:01
